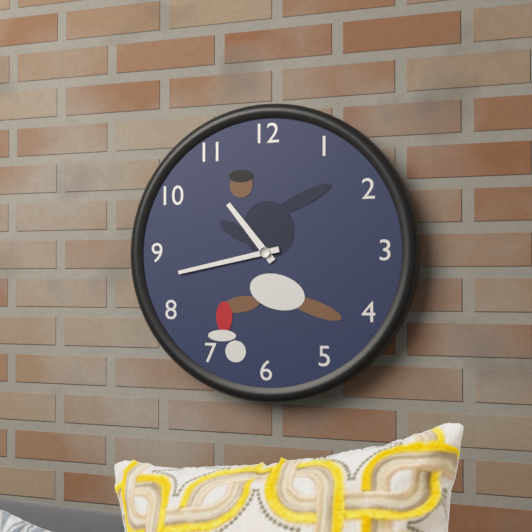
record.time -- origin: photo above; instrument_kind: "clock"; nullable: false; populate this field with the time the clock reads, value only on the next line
10:43
